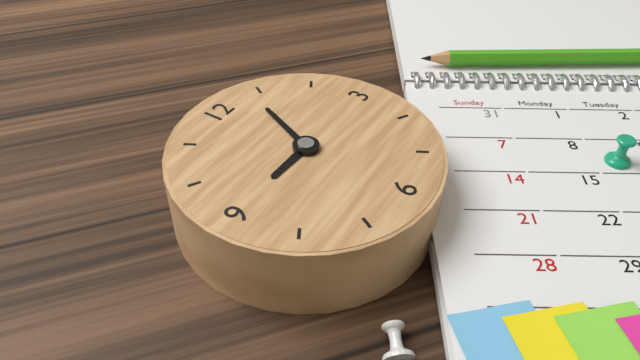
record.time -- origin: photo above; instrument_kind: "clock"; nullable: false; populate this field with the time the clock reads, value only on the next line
9:04
